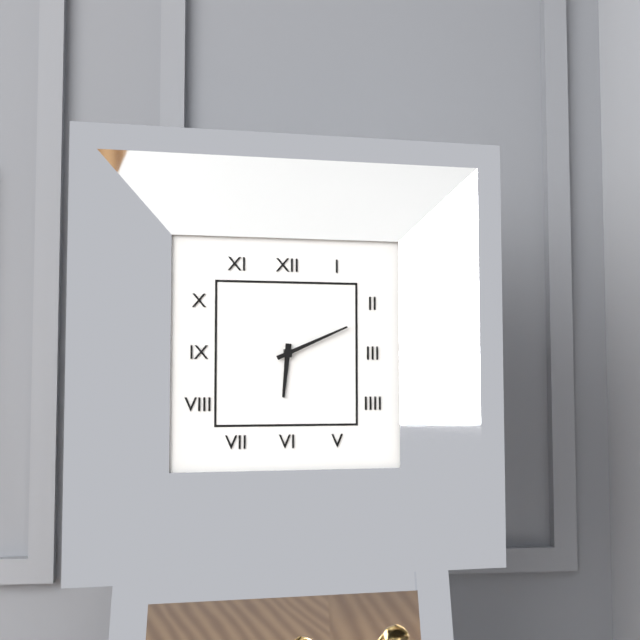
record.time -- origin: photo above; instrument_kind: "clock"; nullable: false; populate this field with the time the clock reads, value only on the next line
6:11
